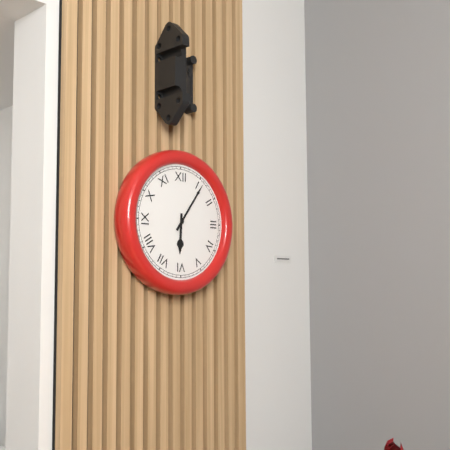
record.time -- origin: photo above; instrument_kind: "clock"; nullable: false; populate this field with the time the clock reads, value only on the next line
6:06
